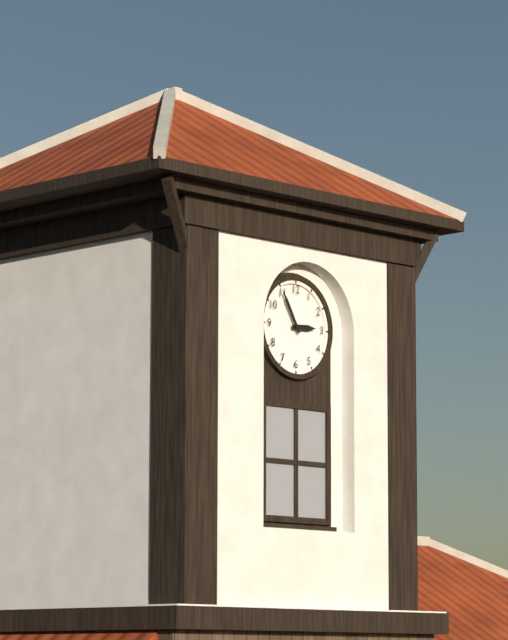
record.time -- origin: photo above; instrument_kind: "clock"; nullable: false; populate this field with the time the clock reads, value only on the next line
2:55
